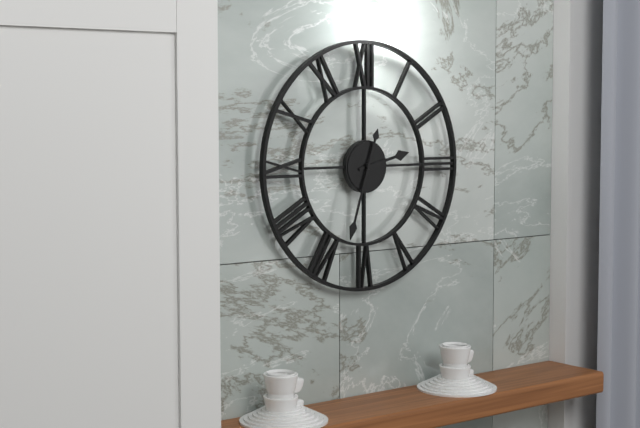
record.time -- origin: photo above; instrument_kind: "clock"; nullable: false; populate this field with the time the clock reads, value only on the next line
2:33
